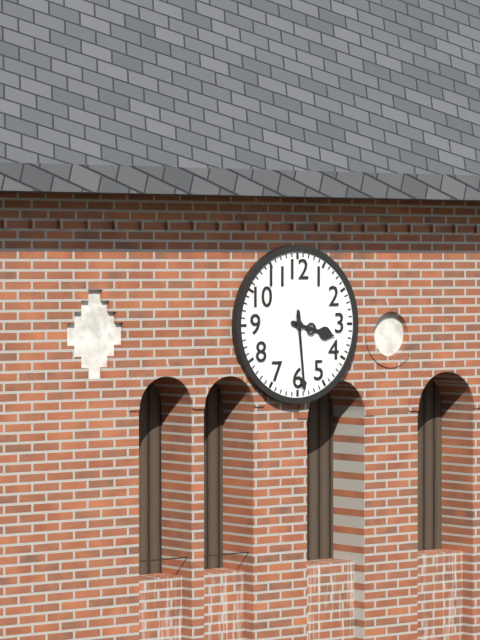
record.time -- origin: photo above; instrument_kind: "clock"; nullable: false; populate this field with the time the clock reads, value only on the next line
3:29
